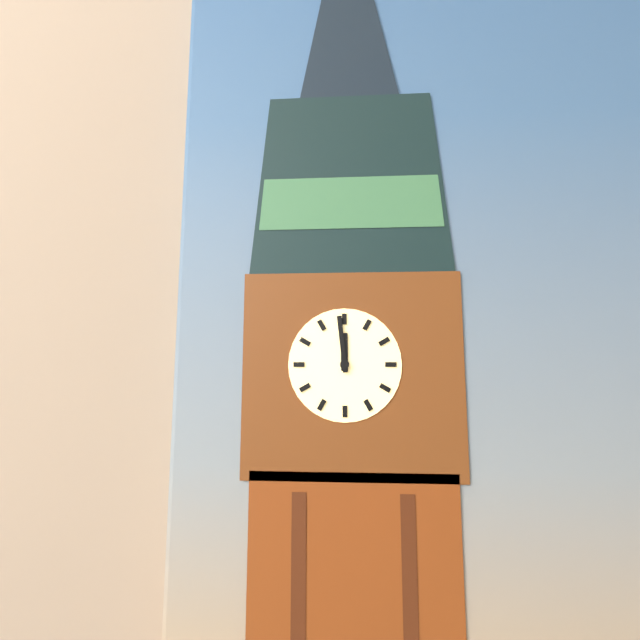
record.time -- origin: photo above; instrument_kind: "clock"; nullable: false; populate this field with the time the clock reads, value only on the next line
11:59
